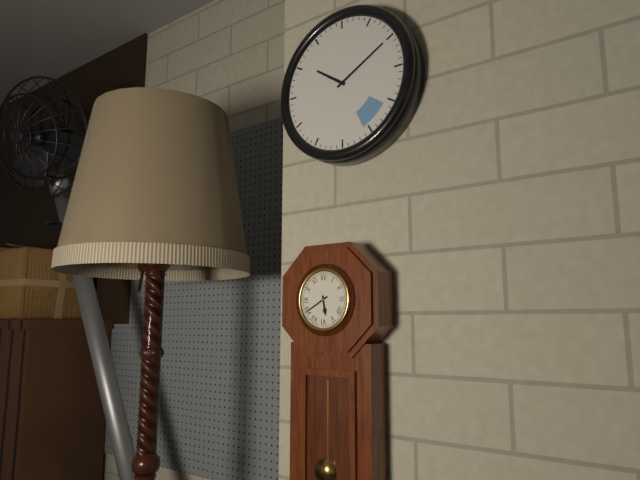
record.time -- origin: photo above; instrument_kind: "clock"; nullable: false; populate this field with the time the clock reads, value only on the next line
5:40
